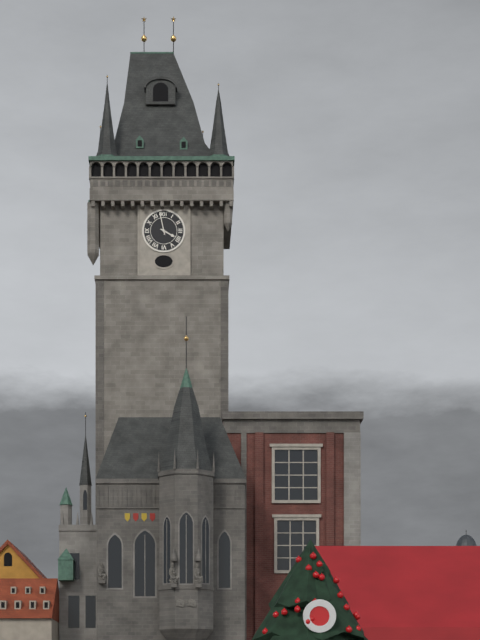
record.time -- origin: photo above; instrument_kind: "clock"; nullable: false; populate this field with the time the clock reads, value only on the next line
3:58
